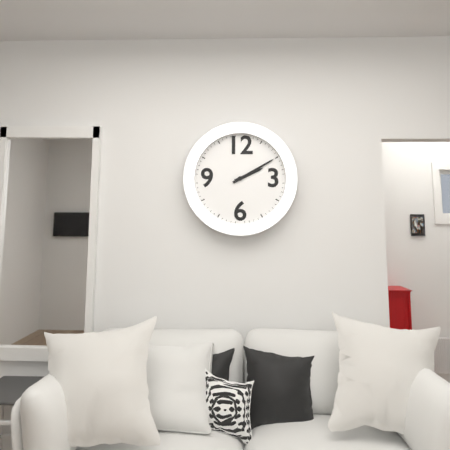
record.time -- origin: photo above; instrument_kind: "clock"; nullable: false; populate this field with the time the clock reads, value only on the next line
2:10
